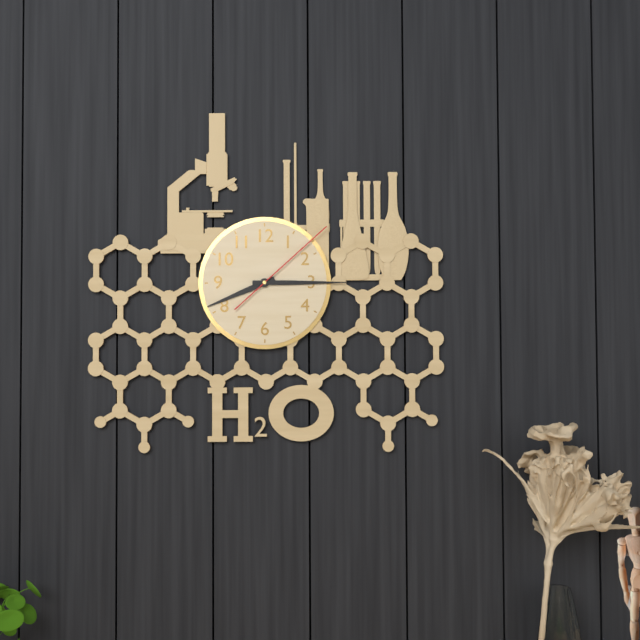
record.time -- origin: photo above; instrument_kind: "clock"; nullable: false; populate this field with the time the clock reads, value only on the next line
8:15:08
